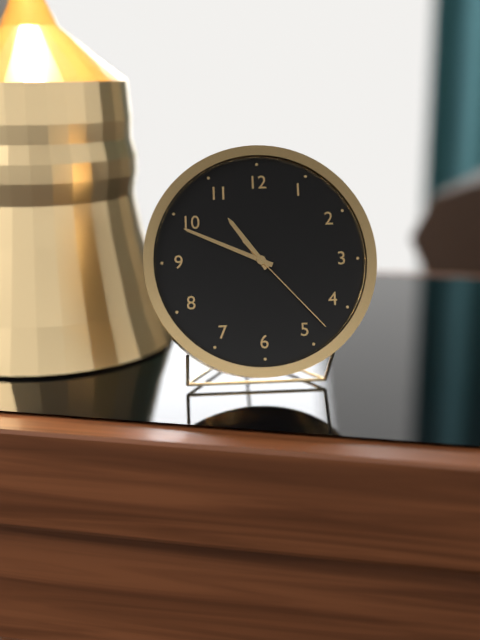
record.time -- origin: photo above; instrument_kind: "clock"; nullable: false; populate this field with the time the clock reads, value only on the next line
10:49:23
